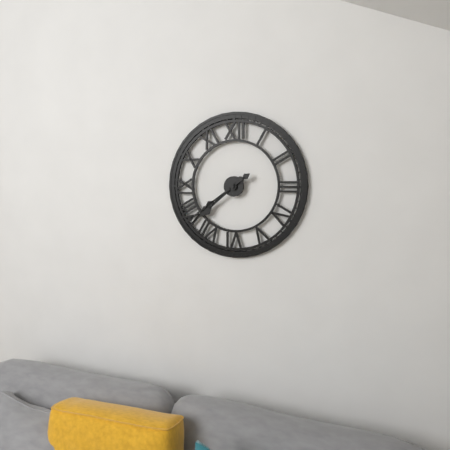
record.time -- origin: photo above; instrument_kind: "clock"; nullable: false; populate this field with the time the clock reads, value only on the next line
7:39
